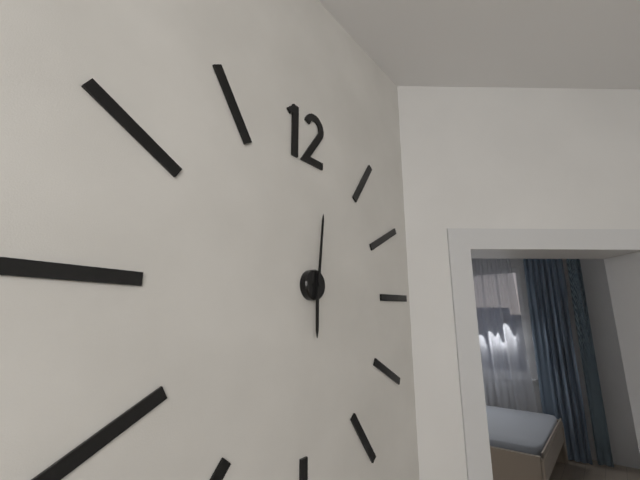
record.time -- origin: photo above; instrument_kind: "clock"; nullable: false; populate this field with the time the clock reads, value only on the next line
6:01
